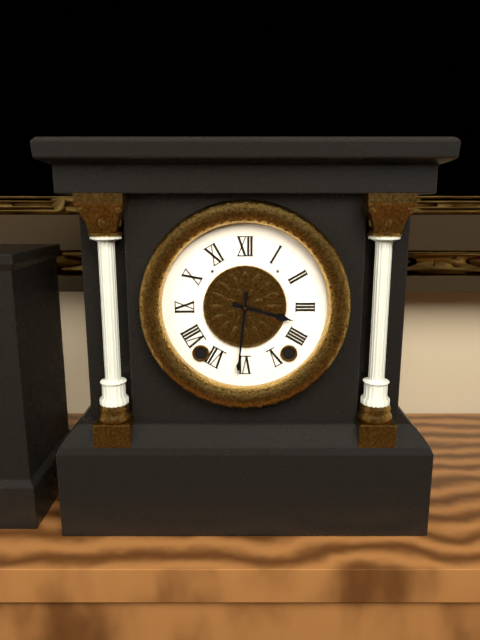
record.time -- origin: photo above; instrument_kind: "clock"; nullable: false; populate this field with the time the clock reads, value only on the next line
3:31
